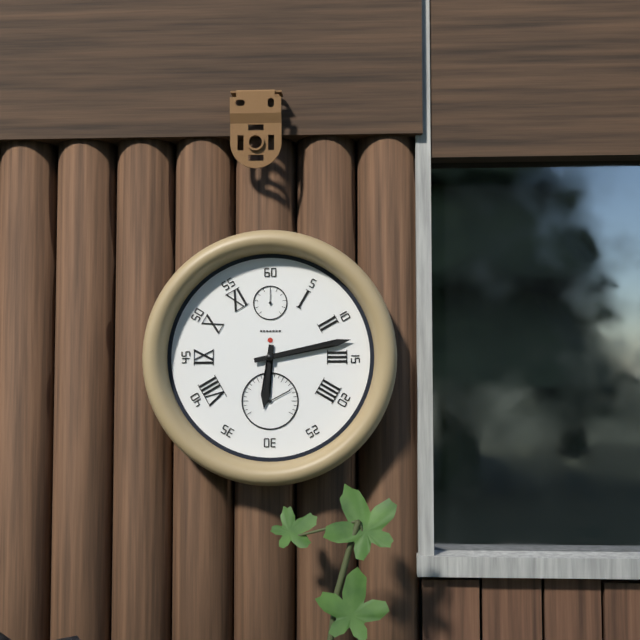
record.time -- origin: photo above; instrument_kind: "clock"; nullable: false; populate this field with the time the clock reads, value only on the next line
6:13
